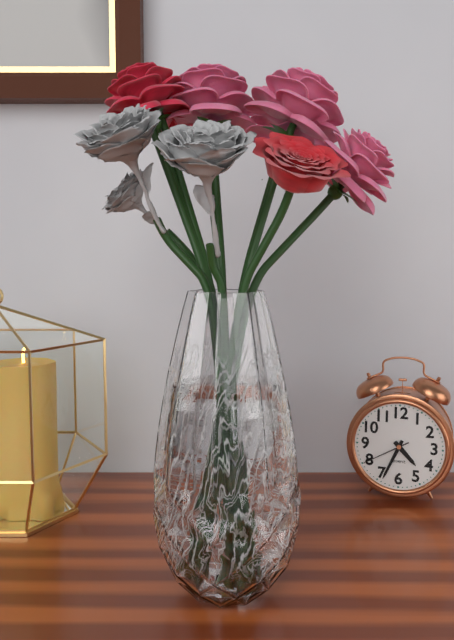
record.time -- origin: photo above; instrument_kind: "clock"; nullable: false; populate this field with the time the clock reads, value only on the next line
4:34
